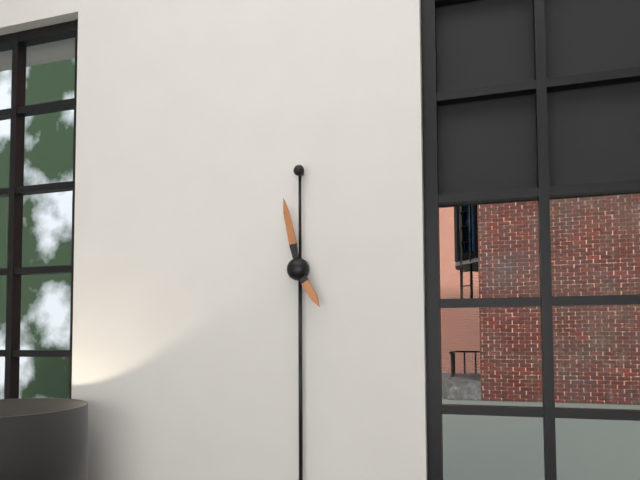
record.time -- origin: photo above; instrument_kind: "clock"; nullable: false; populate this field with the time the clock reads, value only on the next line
4:58
